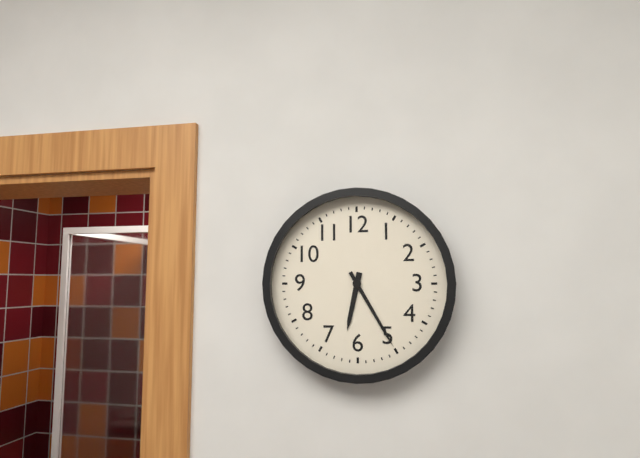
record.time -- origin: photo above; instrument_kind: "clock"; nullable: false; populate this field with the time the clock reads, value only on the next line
6:25
